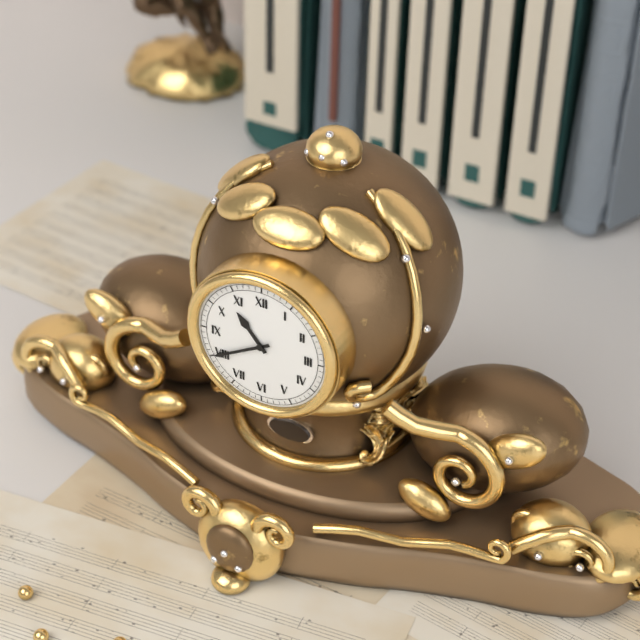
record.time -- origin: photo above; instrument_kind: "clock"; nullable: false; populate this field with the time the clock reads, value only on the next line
10:40
